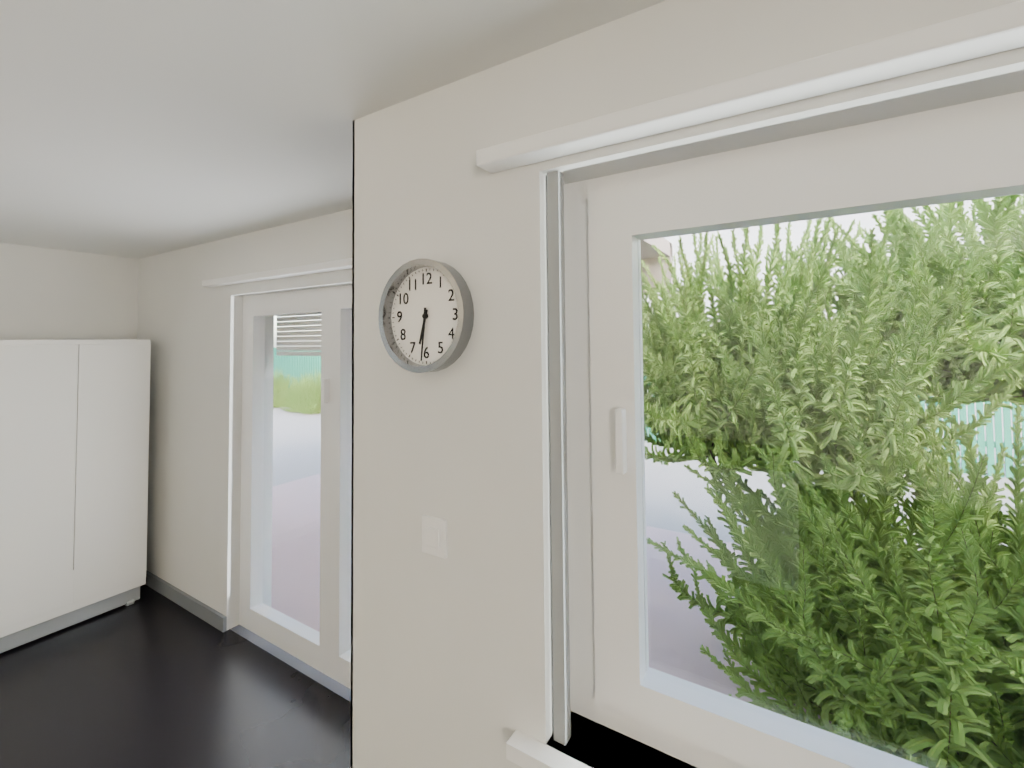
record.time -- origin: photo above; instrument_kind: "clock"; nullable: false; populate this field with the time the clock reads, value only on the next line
6:31
